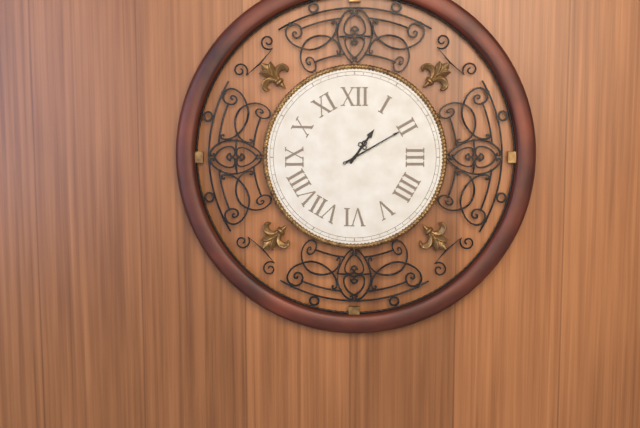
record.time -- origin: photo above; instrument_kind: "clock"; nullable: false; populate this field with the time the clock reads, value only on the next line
1:10
